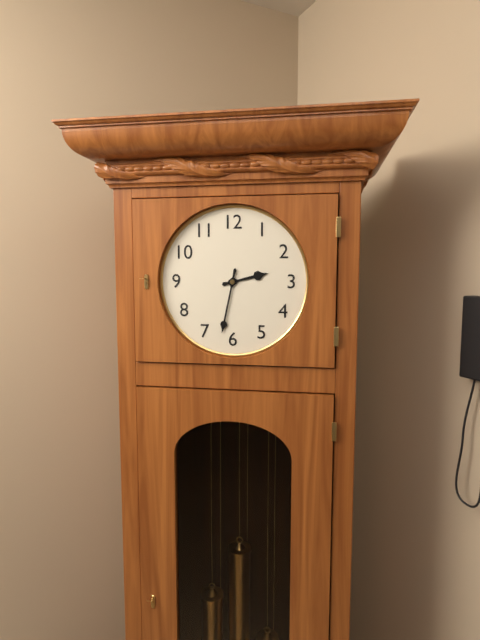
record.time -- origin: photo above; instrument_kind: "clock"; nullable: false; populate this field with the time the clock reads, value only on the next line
2:32
